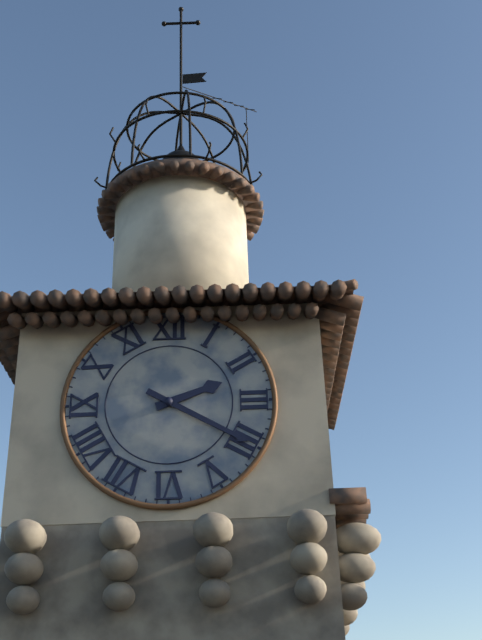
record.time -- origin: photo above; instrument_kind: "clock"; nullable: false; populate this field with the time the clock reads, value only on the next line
2:20
